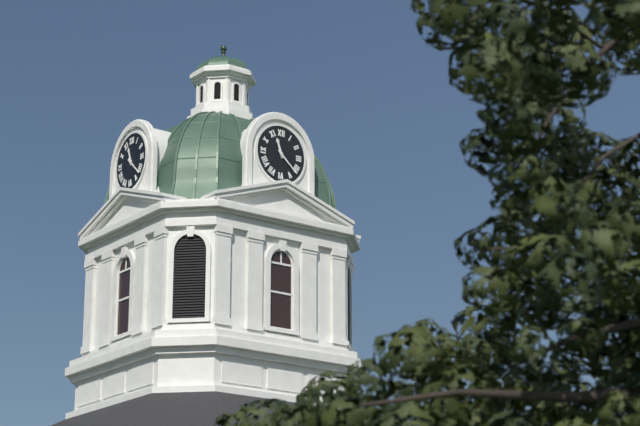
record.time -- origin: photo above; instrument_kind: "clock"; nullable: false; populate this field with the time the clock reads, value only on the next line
11:22
